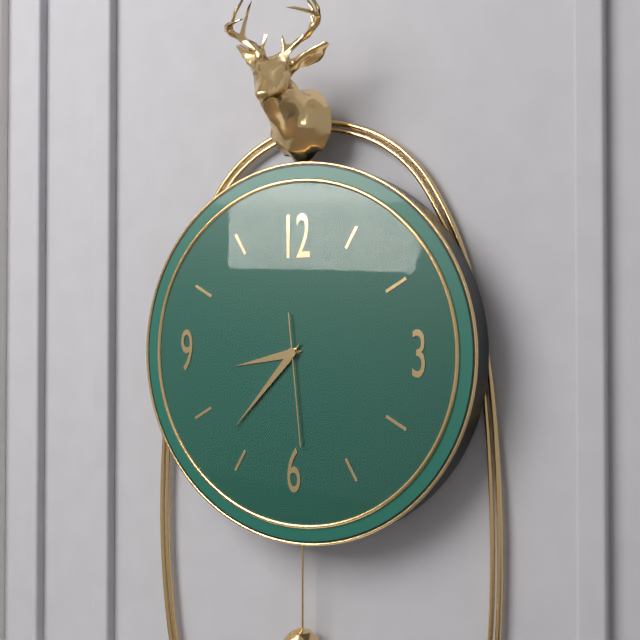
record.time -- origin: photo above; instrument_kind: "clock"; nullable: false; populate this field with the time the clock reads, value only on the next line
8:37:29
